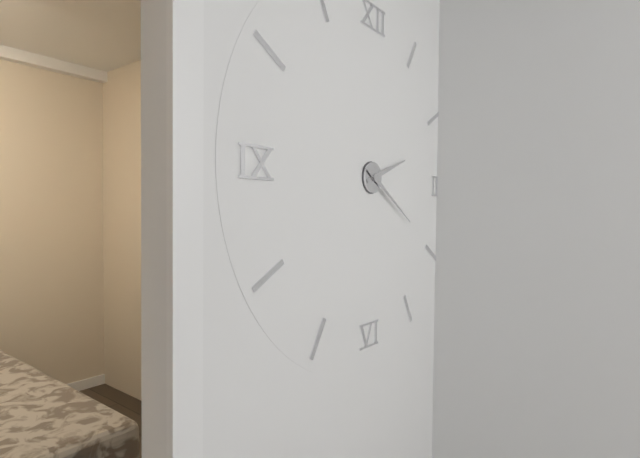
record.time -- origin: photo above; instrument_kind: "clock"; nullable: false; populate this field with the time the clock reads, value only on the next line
2:20
